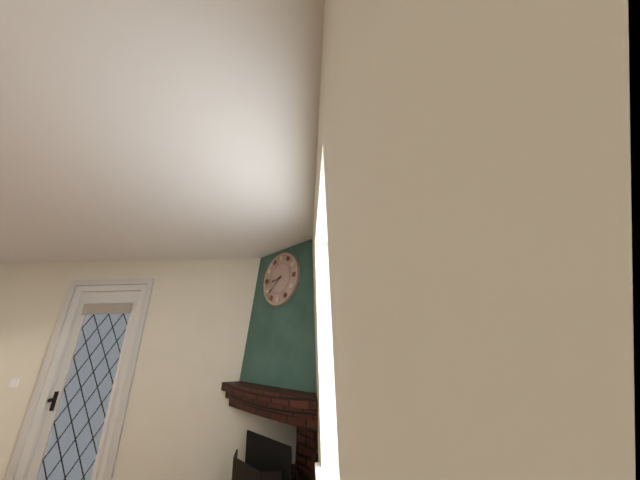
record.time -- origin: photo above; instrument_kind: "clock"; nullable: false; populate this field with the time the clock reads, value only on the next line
8:38
